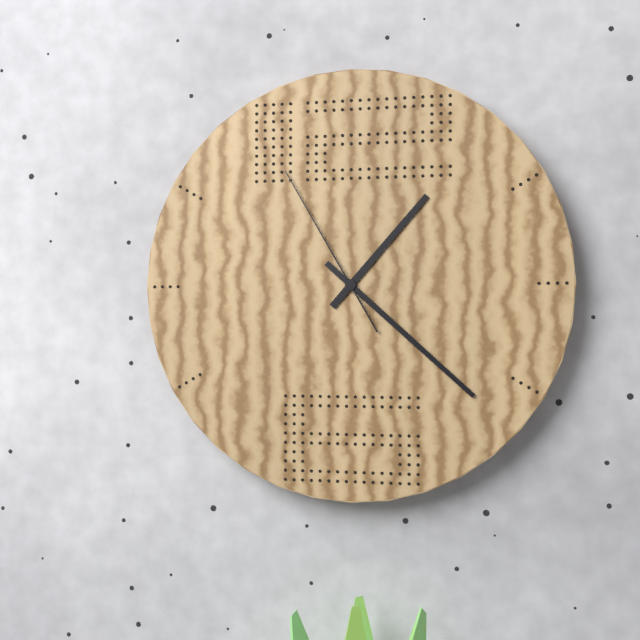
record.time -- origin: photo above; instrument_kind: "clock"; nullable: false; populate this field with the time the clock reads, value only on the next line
1:22:55
